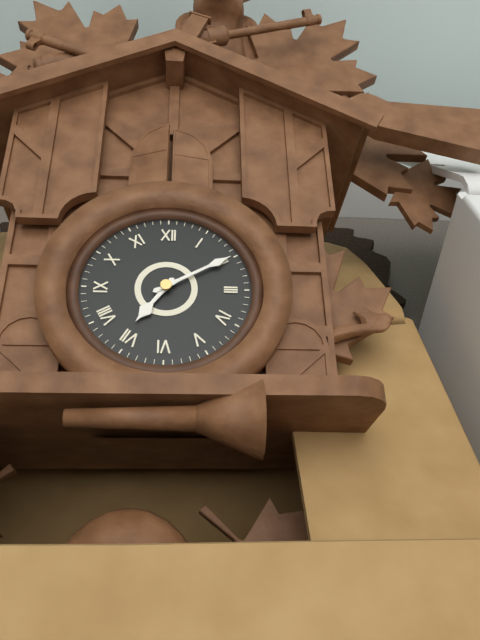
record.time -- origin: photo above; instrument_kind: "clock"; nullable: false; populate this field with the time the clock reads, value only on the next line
7:10
